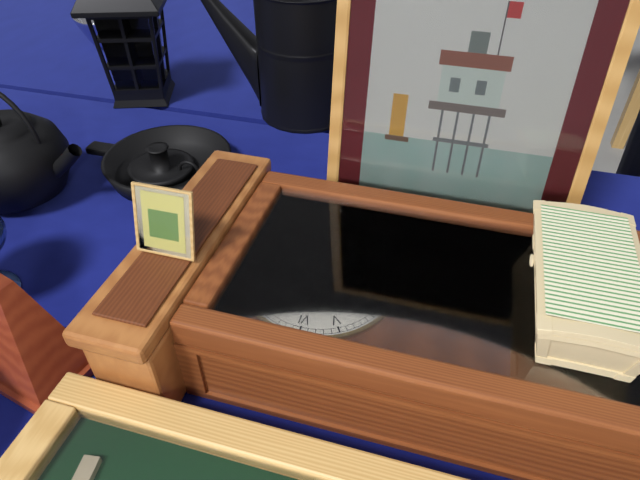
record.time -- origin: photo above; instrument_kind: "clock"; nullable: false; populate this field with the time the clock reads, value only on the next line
4:53
